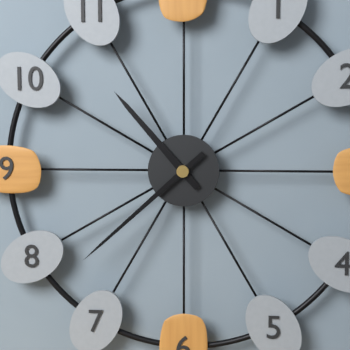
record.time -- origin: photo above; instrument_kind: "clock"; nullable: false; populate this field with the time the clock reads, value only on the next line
10:38
